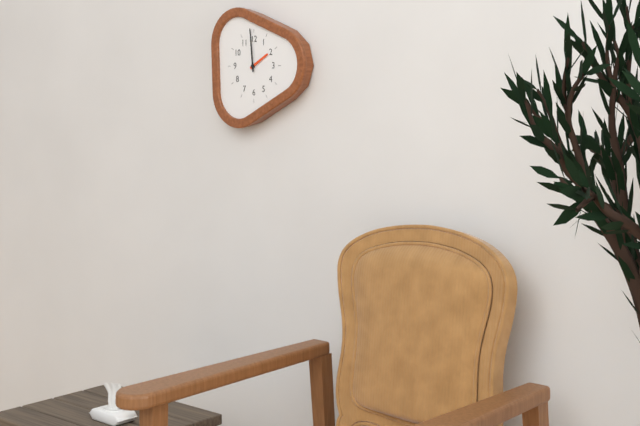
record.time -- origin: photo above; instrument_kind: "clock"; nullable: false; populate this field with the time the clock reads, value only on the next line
1:59
